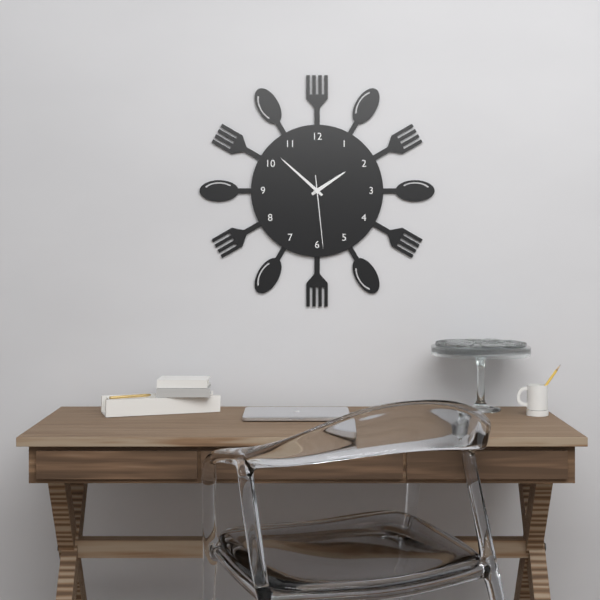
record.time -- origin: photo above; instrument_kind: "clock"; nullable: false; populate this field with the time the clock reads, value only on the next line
1:52:29
